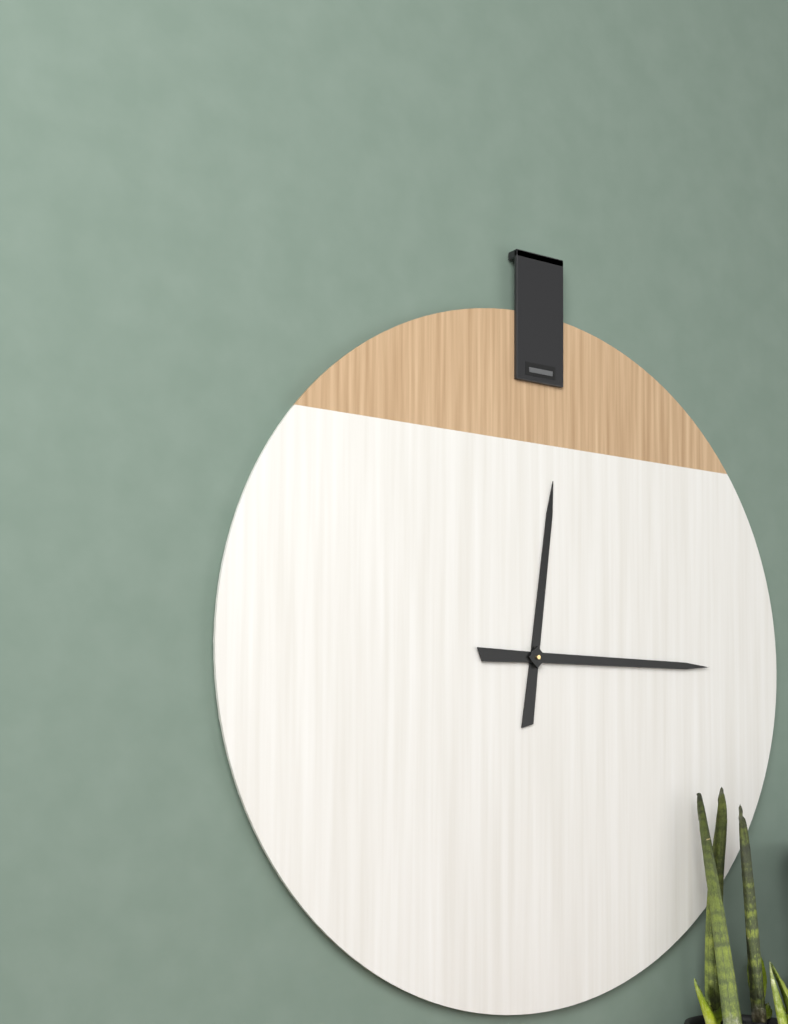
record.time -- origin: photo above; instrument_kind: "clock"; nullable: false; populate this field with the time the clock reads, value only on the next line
12:15
